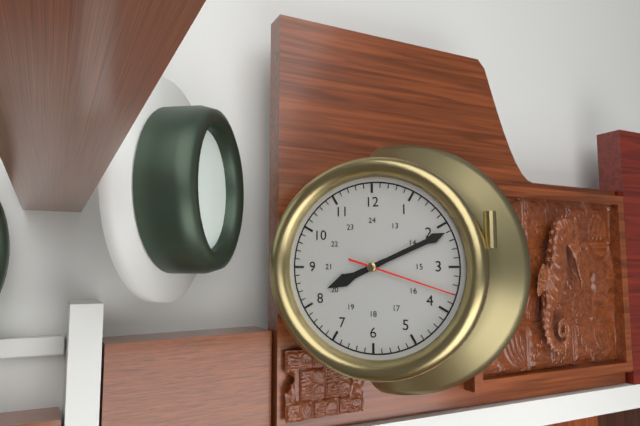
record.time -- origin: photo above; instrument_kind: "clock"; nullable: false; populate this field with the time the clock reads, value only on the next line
8:11:18
